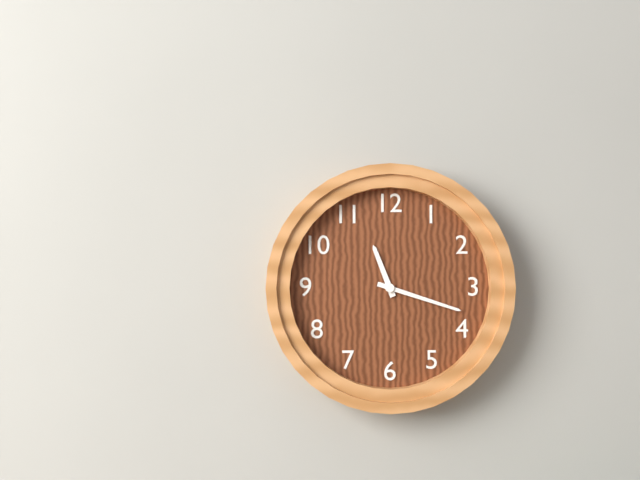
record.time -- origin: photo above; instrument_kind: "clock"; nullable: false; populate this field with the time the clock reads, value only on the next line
11:18
